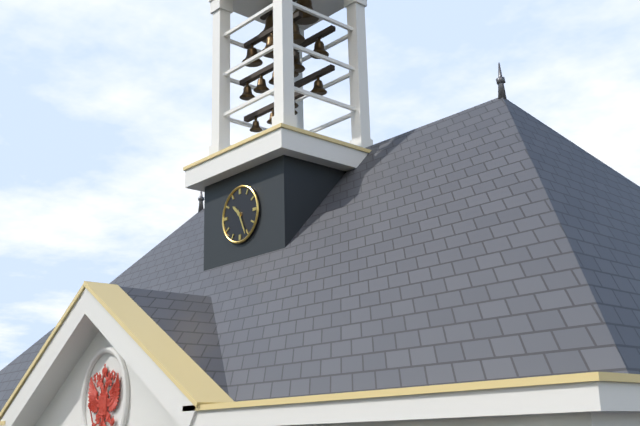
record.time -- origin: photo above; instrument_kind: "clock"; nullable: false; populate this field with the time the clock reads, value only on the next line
10:26
